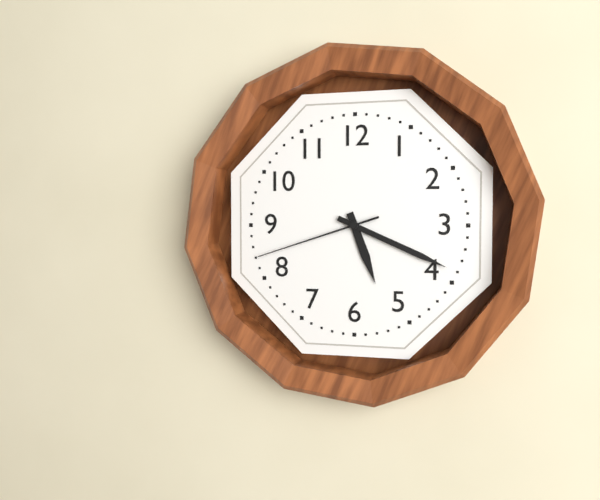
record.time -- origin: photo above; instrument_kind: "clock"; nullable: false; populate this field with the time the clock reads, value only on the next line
5:19:42
